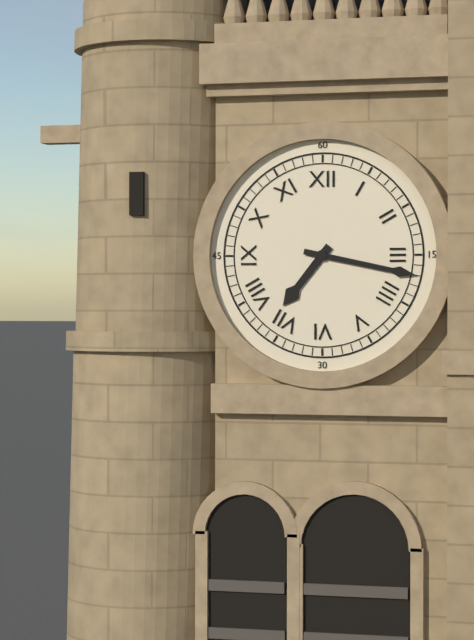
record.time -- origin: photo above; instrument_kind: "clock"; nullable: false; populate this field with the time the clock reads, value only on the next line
7:17
